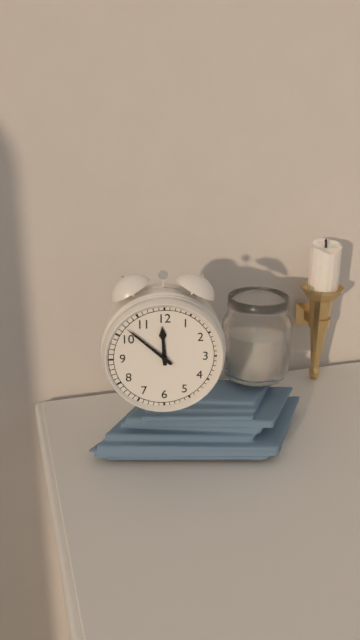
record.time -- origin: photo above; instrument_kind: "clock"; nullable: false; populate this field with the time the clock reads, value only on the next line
11:52
